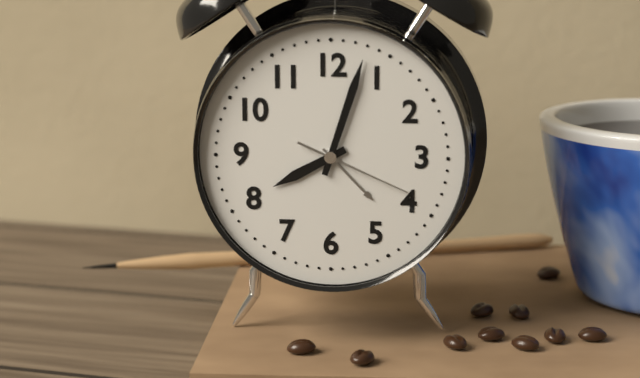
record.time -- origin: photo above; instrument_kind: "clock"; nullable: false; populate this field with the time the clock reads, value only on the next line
8:03:19
